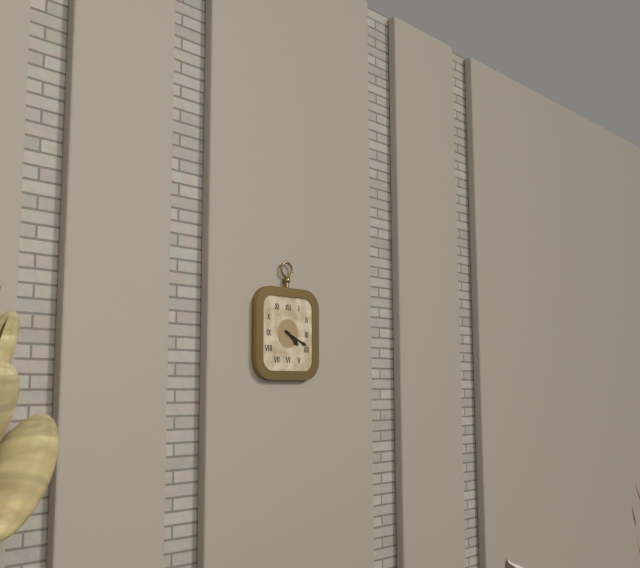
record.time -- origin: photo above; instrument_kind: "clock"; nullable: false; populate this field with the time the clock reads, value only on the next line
4:19
